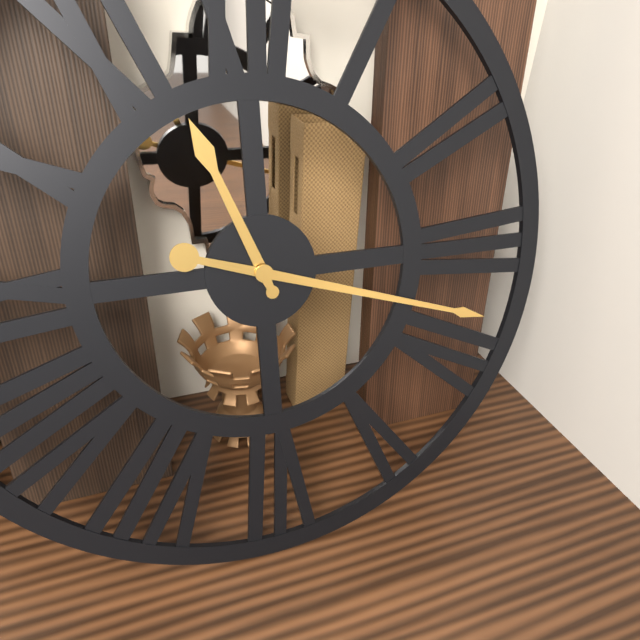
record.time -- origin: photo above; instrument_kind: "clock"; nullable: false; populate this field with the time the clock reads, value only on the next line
11:18
